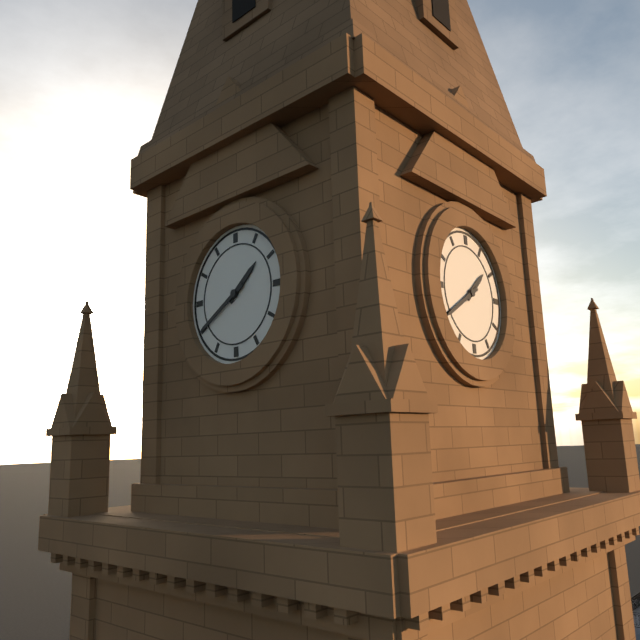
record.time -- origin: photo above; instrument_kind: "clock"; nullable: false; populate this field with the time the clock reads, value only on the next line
1:40
